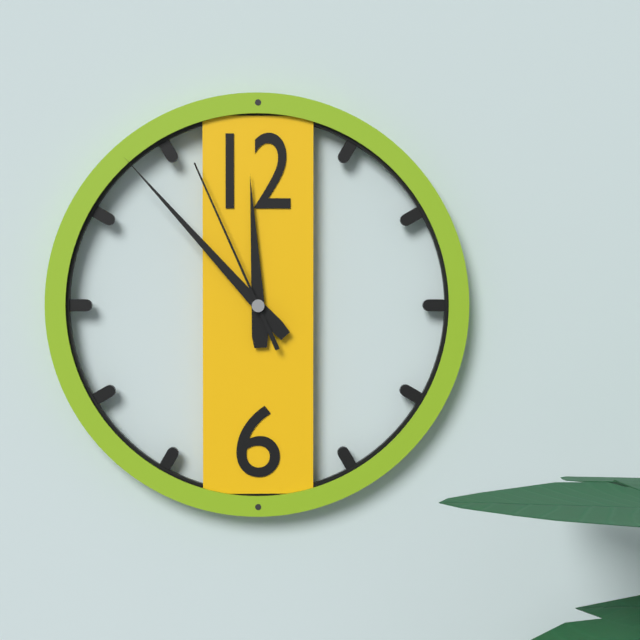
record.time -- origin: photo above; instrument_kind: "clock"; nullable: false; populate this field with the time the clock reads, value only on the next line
11:53:56
